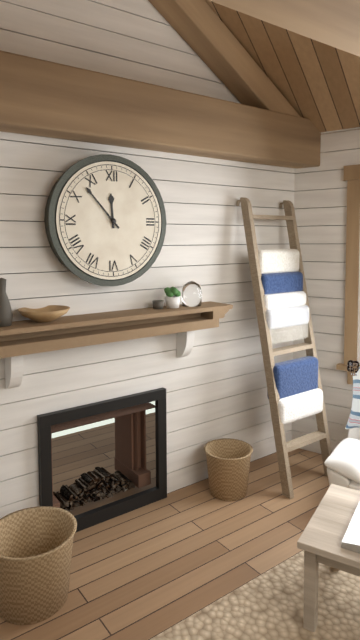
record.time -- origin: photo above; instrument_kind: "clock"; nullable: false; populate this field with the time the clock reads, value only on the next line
11:53
